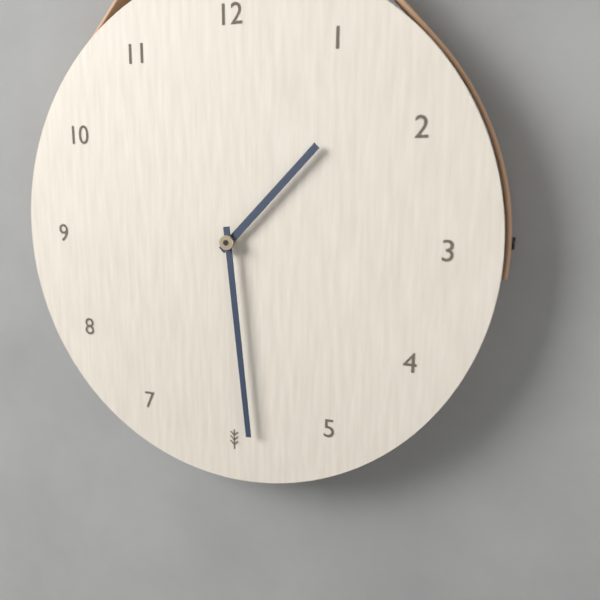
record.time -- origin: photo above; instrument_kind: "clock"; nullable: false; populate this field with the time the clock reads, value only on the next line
1:29
